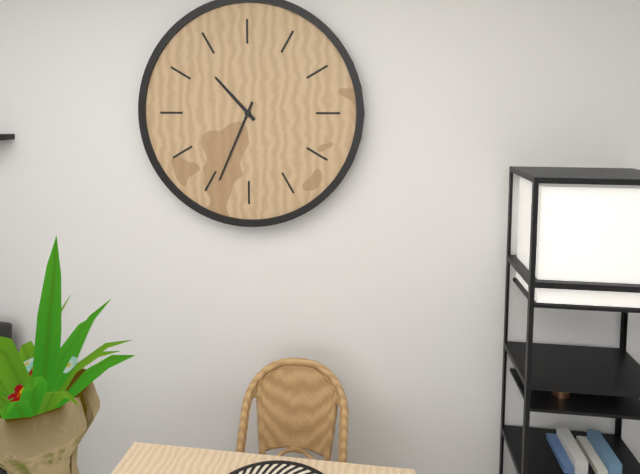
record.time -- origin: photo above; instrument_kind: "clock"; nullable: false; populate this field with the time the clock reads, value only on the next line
10:34
